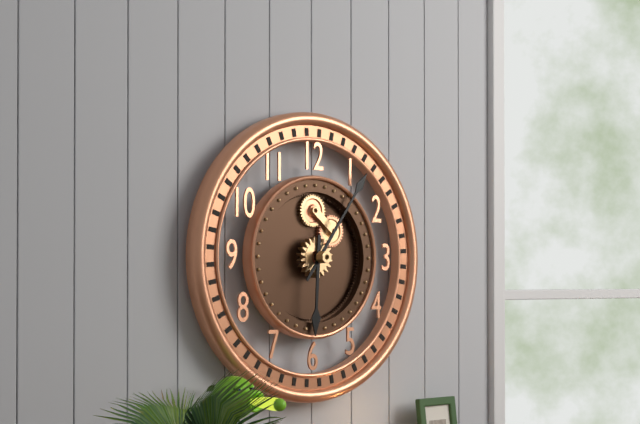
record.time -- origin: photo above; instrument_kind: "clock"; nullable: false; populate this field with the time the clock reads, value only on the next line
6:06
